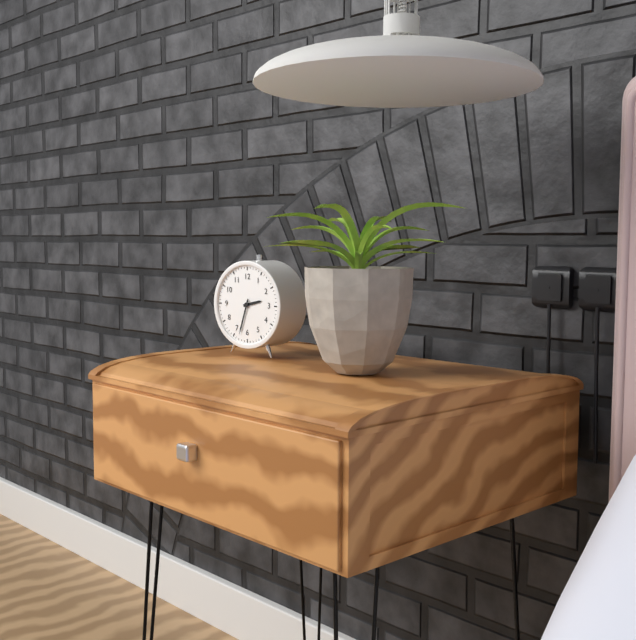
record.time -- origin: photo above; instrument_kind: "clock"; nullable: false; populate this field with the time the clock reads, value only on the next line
2:33
